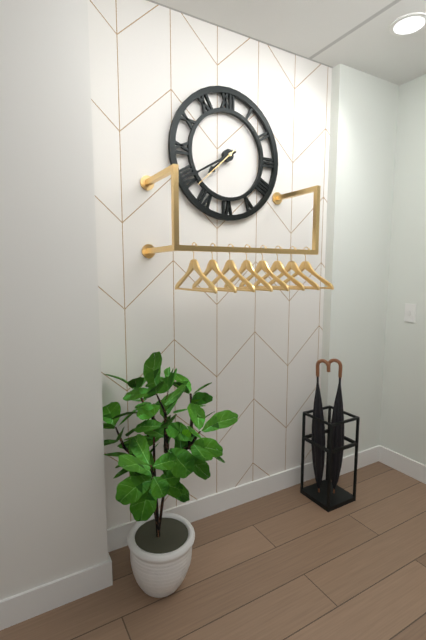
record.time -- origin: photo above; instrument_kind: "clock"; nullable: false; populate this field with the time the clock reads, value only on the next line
7:40
